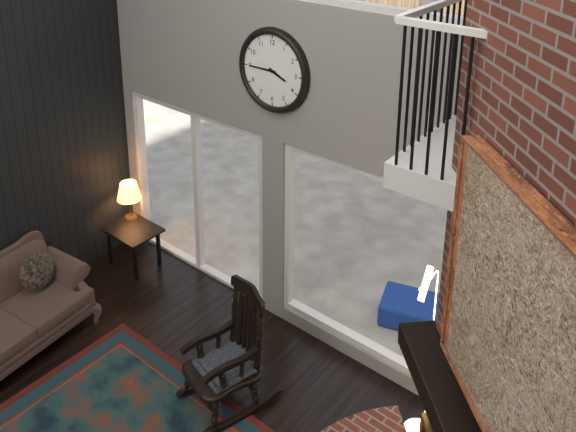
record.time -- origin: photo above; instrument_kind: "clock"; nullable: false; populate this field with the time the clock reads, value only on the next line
3:45
